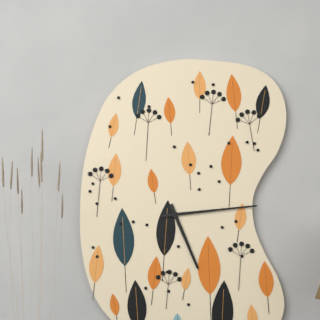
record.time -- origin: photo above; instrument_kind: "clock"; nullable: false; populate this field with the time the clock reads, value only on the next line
5:14
